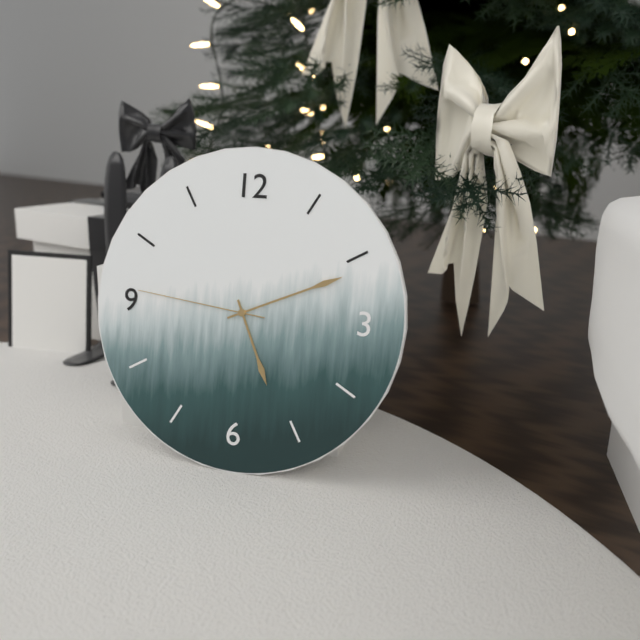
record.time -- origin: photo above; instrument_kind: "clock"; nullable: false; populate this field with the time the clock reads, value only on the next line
5:11:46
